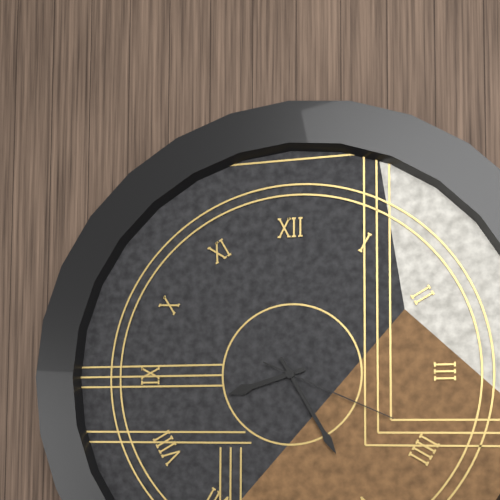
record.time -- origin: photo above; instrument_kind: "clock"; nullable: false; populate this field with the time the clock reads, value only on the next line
8:25:19
